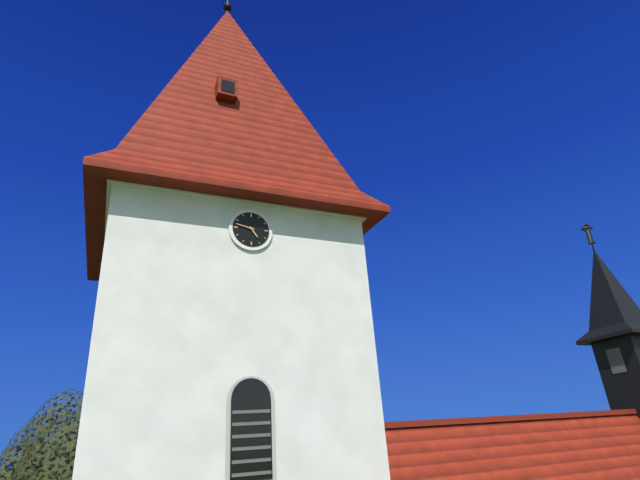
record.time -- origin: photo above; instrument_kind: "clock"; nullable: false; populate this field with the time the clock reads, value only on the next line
4:47
